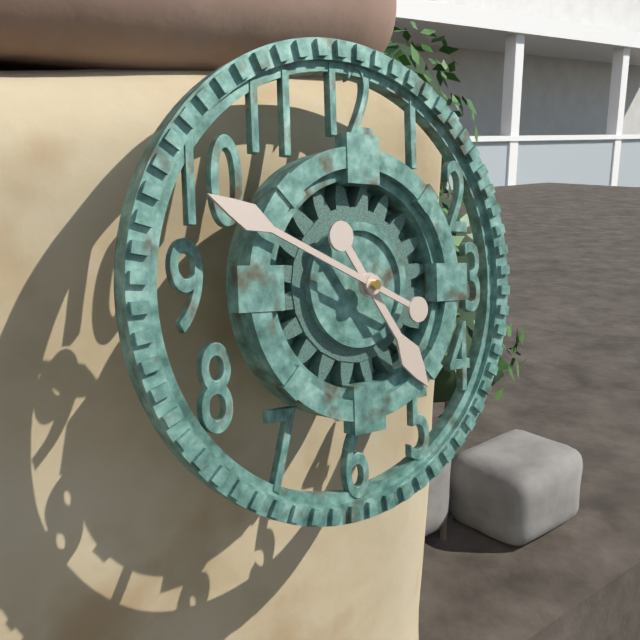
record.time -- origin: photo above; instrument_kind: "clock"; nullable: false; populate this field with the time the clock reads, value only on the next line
4:49
